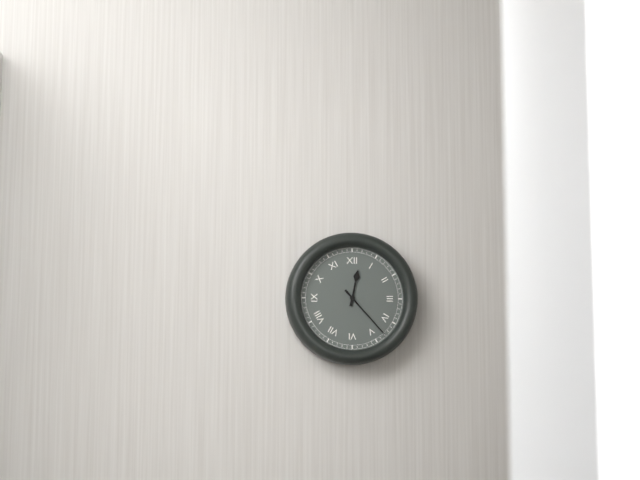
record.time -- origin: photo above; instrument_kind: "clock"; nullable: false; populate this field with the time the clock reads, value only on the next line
12:23
